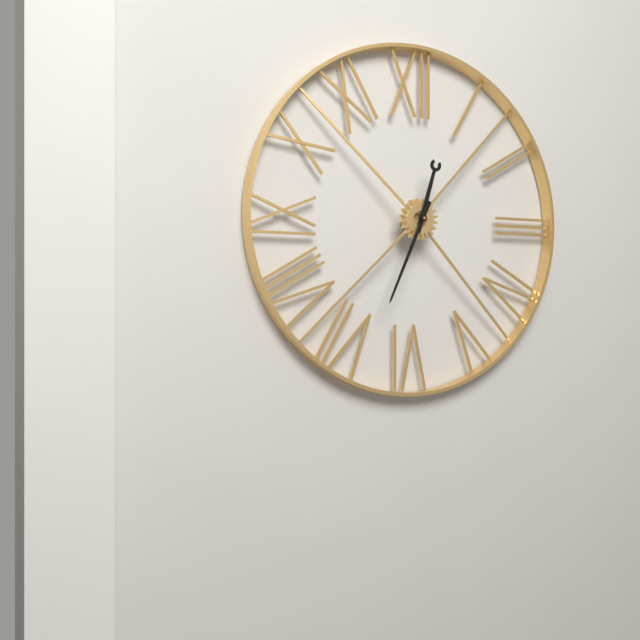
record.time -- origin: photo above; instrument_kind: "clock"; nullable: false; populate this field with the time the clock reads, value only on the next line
12:34
